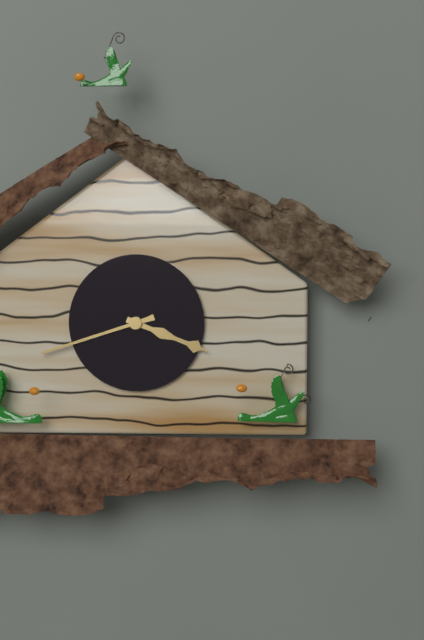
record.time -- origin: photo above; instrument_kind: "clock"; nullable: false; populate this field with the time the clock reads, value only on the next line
3:42
